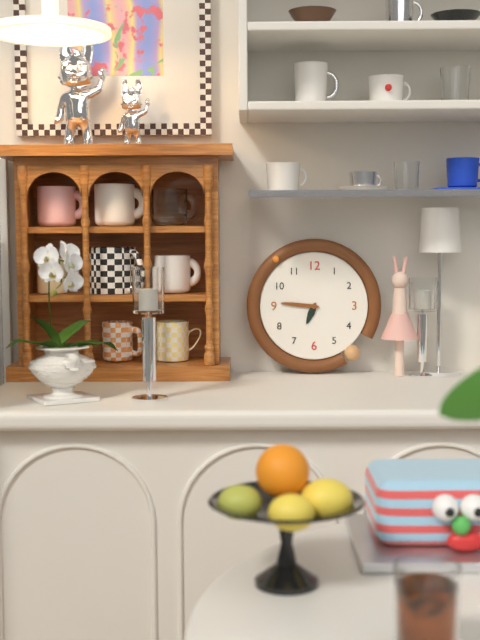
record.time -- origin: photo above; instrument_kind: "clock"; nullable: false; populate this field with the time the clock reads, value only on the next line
6:46
